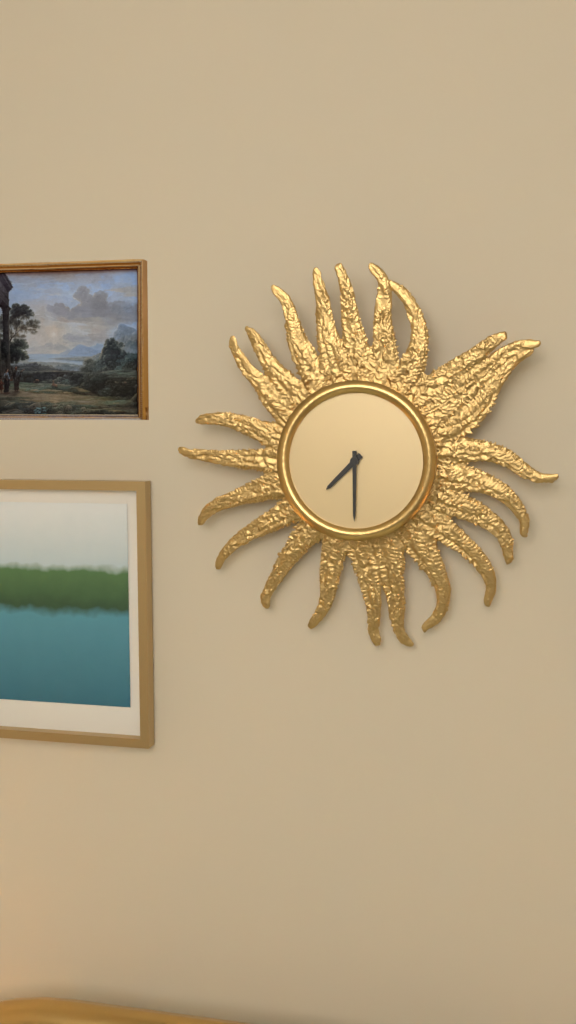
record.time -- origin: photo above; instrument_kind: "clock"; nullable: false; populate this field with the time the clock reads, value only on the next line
7:30
